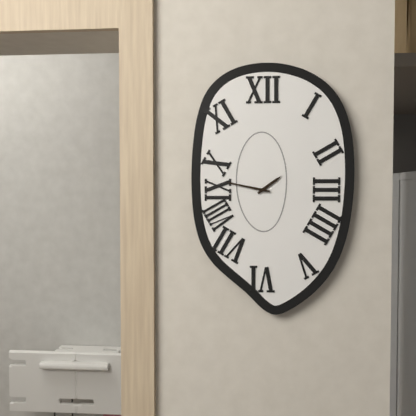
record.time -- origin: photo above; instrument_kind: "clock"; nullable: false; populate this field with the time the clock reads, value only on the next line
1:47
